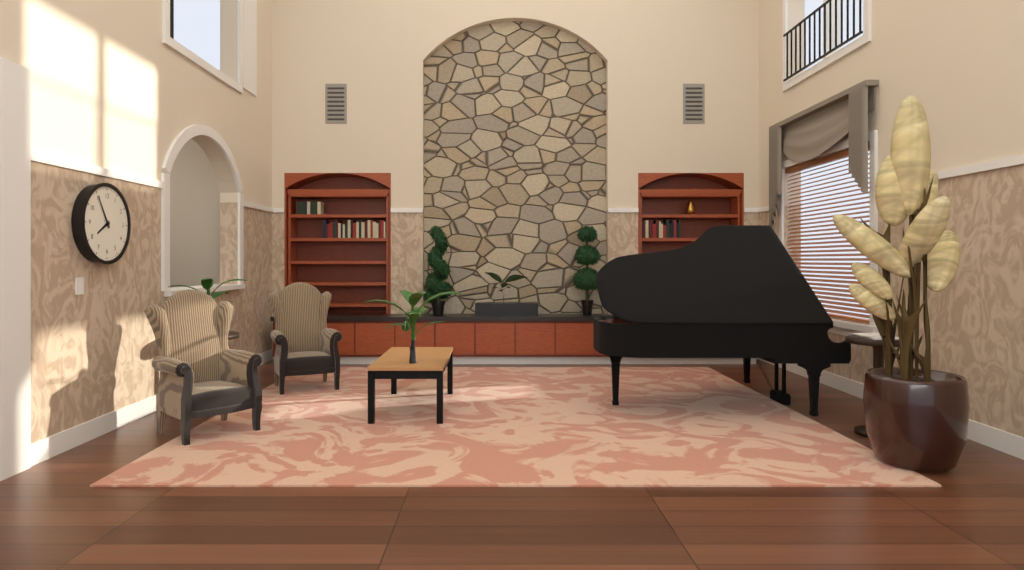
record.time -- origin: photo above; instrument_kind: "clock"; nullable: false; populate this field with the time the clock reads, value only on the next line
7:55
